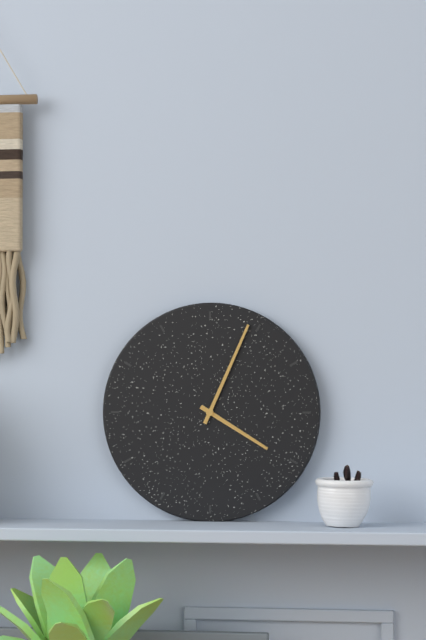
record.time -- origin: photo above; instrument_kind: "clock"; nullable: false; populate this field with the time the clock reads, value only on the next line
4:04
